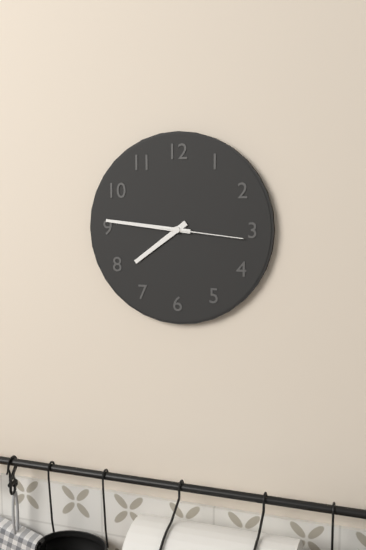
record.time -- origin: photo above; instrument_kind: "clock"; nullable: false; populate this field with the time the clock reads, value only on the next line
7:46:16
